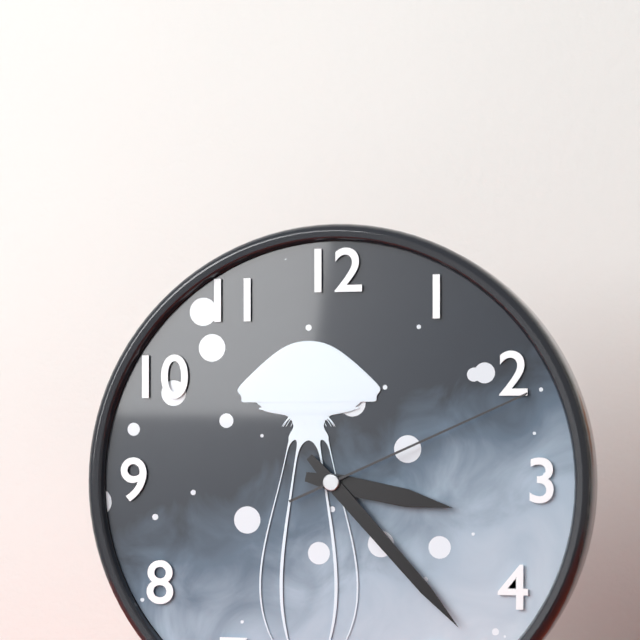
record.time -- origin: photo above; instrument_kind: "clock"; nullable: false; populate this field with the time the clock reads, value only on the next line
3:23:11
